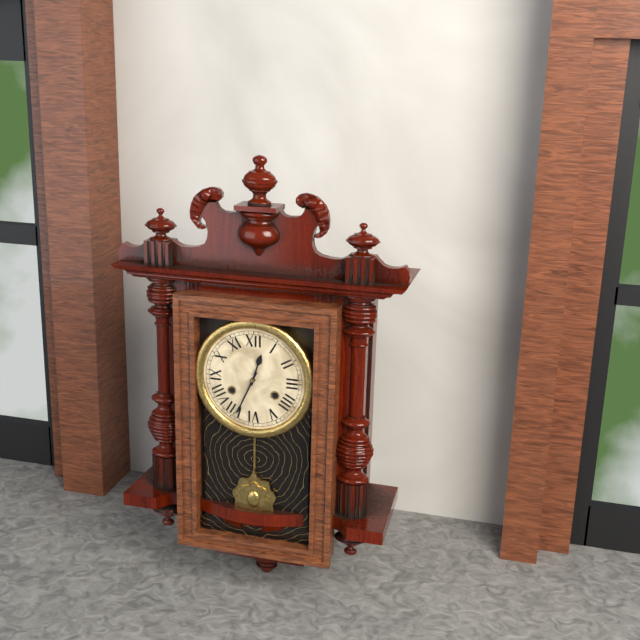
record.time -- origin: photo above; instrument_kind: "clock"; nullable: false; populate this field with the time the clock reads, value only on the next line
12:34
